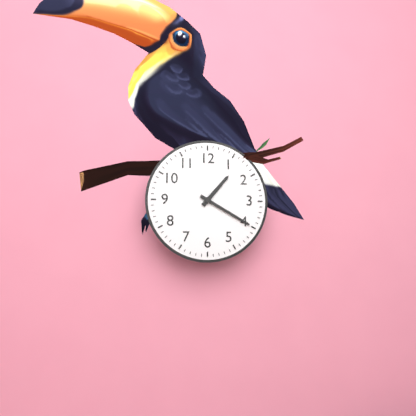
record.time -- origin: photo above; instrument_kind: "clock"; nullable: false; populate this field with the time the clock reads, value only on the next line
1:20
